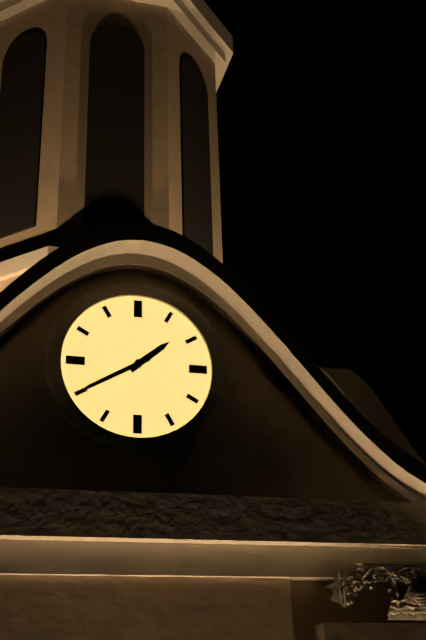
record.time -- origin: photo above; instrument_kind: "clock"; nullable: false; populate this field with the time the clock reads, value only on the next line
1:40
